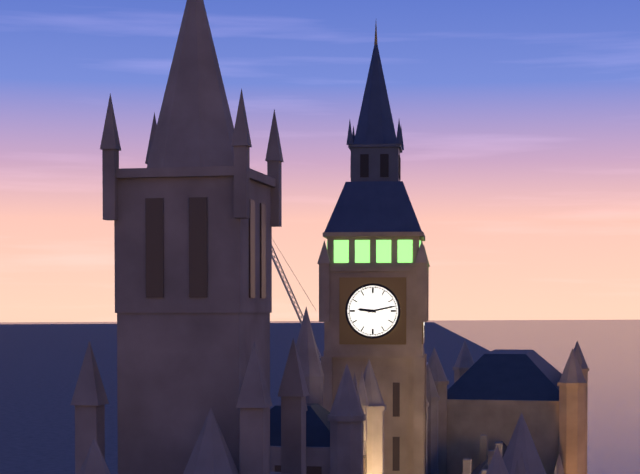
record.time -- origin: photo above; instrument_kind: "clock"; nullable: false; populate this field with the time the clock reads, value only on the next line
9:13
